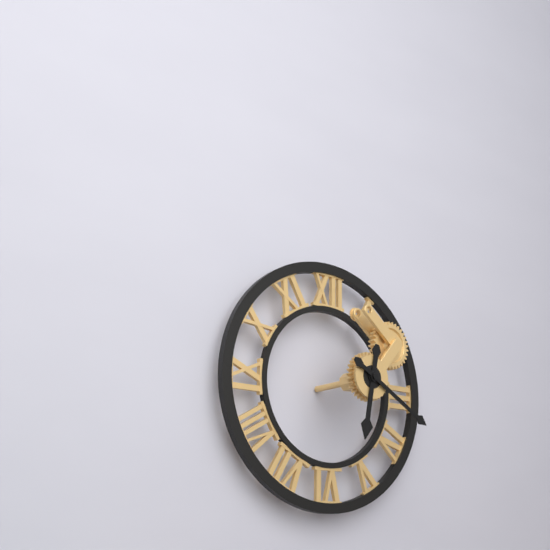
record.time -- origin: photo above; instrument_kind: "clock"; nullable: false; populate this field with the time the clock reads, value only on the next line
6:20
